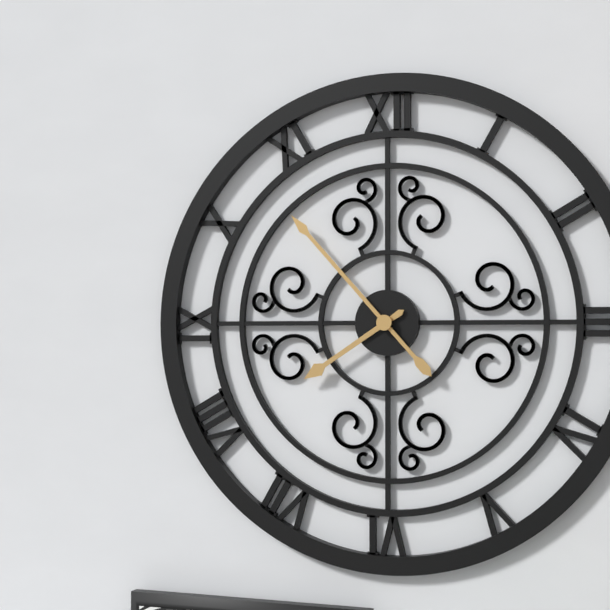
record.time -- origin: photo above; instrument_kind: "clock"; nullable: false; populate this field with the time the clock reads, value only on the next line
7:53
